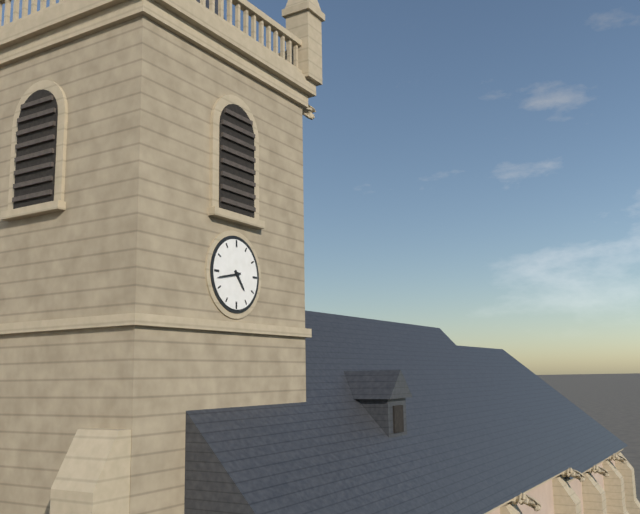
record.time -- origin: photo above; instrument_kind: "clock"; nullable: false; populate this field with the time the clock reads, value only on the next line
4:43
